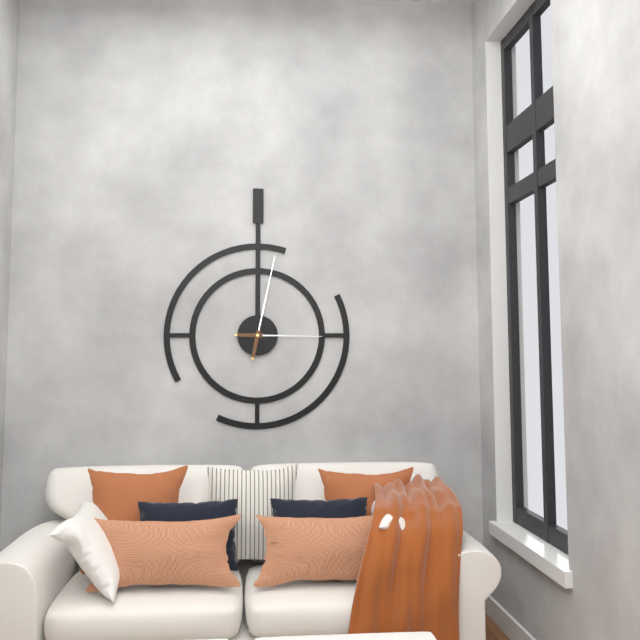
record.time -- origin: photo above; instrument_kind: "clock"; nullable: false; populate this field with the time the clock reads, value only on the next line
3:02
